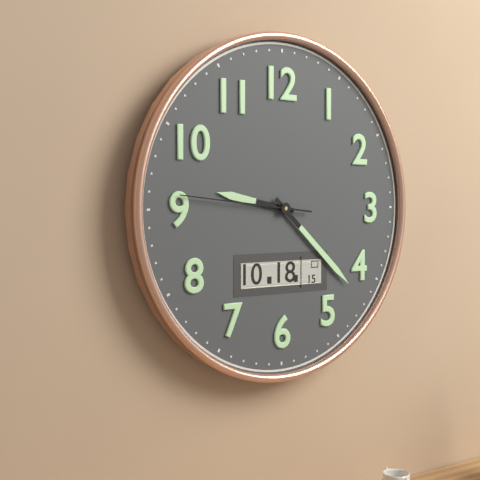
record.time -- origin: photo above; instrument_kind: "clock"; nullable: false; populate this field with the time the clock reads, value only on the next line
9:22:46
